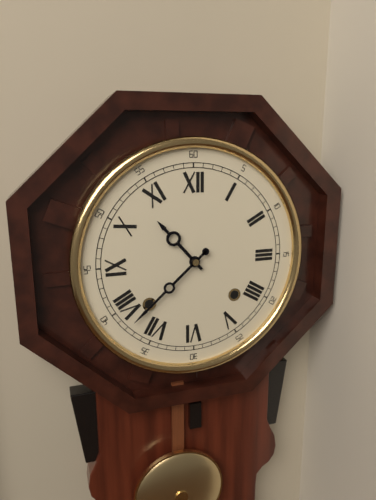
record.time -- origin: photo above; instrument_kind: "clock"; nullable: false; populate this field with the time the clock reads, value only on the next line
10:38
